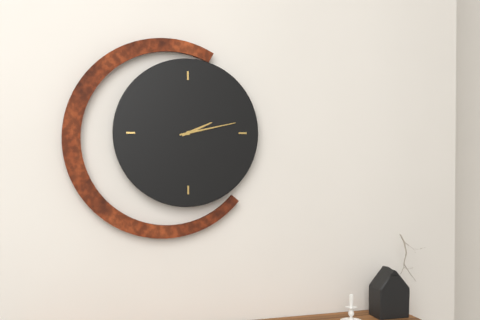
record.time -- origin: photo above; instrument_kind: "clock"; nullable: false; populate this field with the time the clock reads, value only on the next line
2:13
